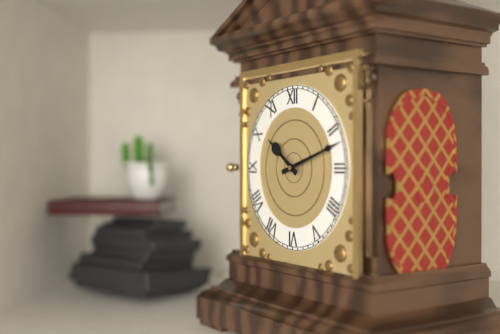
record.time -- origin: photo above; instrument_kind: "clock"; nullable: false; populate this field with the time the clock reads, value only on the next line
10:12
